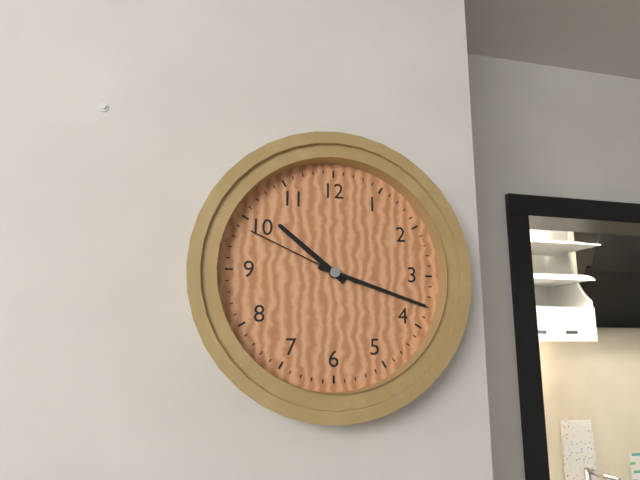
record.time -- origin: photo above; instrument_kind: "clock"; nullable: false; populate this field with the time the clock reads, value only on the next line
10:18:49
